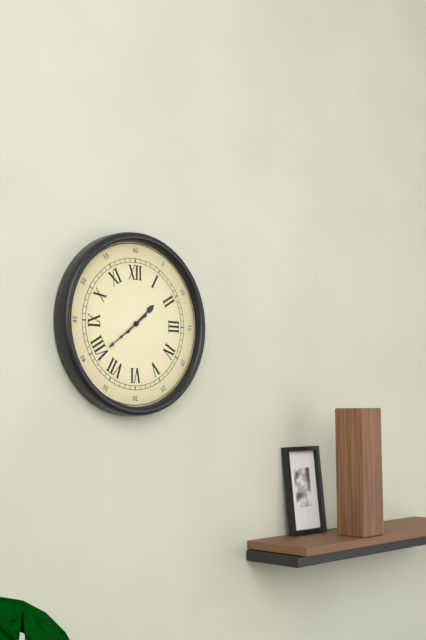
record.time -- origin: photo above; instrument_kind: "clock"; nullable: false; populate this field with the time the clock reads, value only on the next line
1:39
